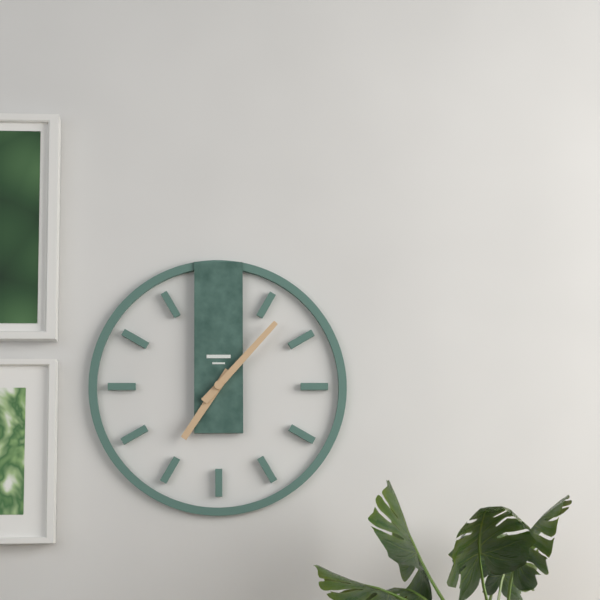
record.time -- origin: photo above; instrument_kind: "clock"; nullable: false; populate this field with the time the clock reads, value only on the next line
7:07
